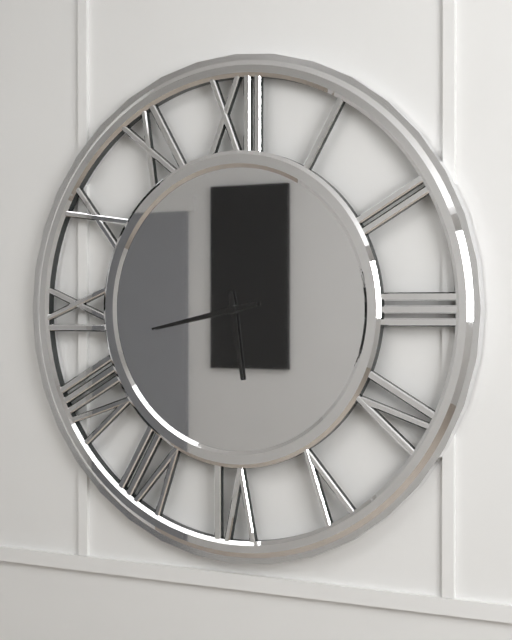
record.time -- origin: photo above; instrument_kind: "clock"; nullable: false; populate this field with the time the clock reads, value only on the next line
5:43
